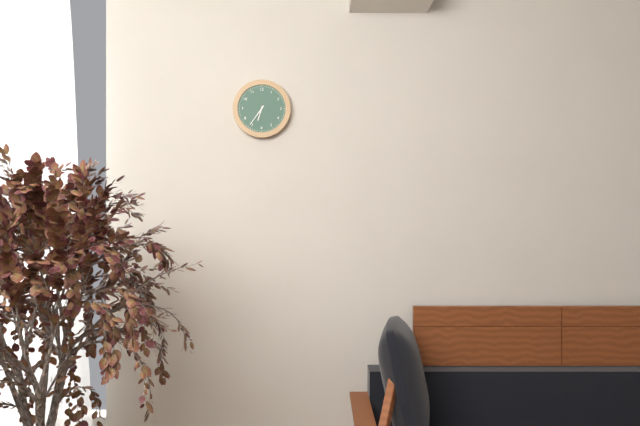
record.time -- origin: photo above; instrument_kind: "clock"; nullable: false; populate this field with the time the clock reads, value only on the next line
6:36
